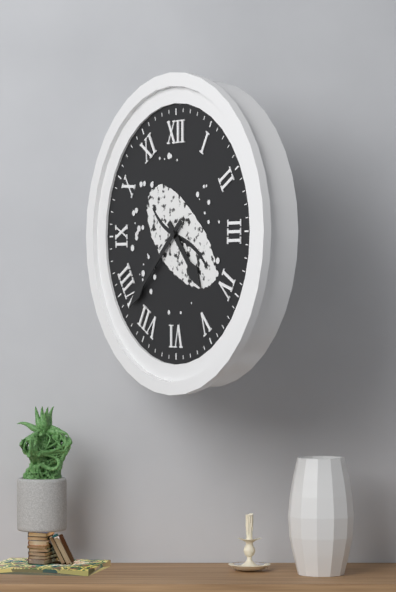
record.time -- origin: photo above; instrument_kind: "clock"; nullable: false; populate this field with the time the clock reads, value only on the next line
4:38
